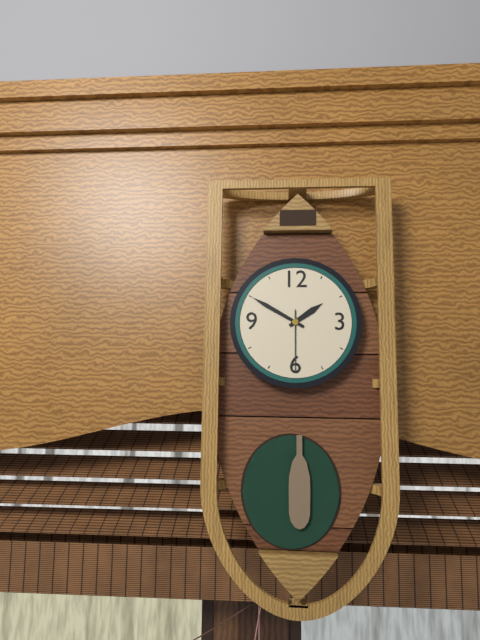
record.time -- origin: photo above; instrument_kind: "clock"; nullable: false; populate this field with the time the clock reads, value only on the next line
1:50:30
